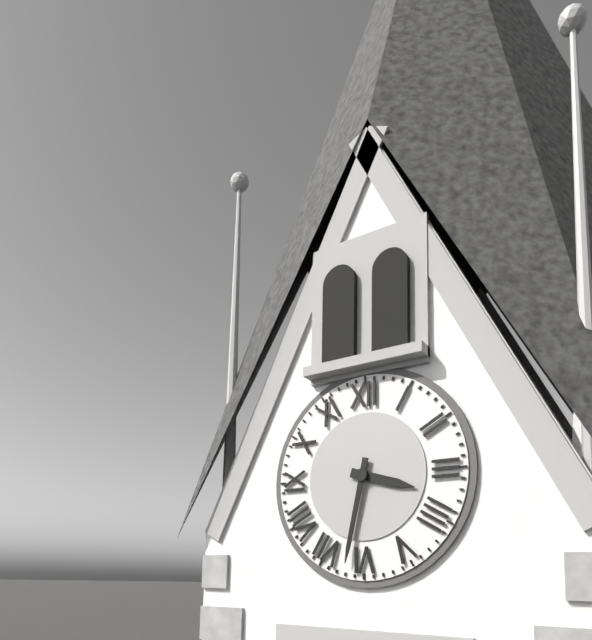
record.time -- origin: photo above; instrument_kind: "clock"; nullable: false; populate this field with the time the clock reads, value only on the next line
3:32
